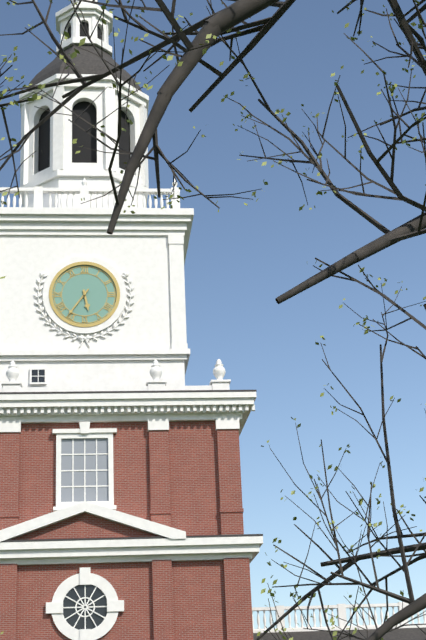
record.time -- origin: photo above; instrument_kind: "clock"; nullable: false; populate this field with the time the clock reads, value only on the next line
5:36
